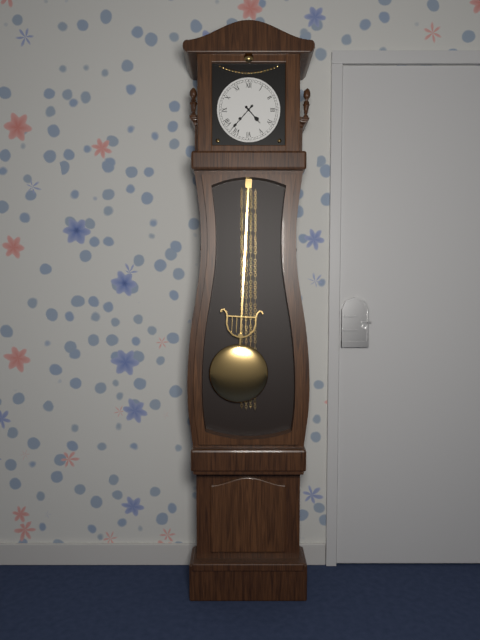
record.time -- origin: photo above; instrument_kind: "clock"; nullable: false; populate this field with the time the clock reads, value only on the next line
4:37
